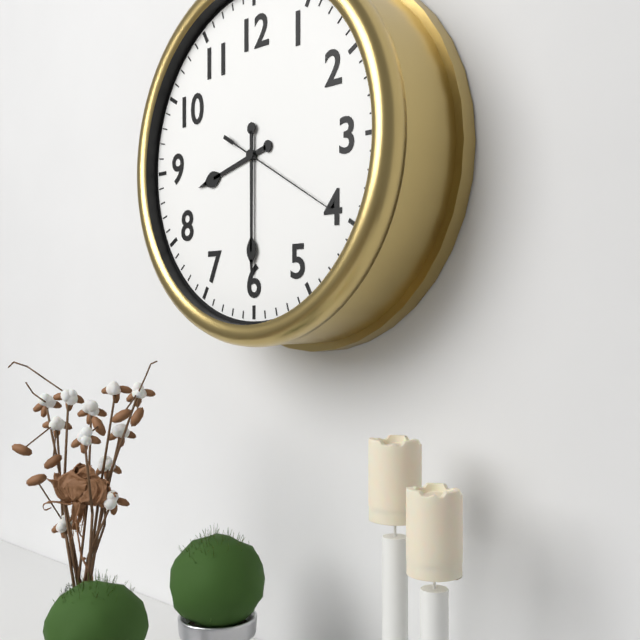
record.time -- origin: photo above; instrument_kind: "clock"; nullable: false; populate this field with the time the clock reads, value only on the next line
8:30:20
